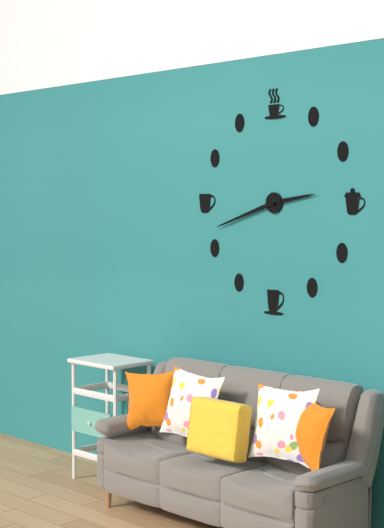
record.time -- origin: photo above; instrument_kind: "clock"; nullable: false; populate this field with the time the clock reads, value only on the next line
2:42
